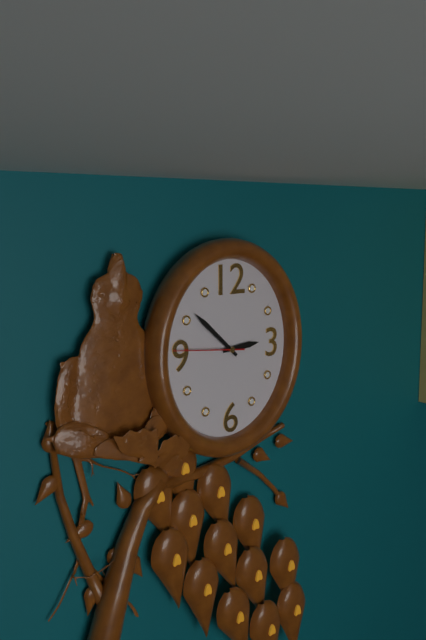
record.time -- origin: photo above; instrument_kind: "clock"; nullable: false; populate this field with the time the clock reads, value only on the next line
2:52:46
